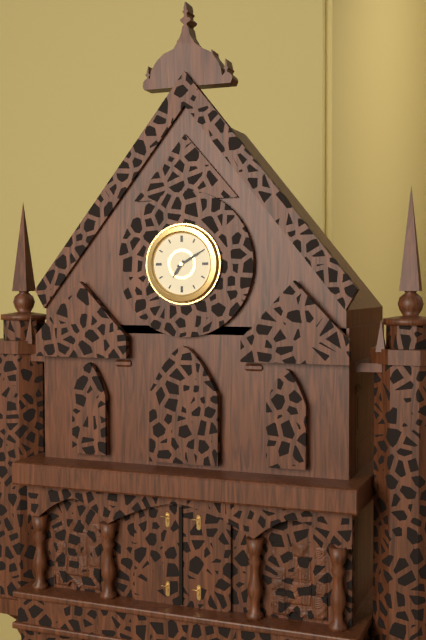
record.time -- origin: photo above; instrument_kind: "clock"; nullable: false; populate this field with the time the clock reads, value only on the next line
7:10
